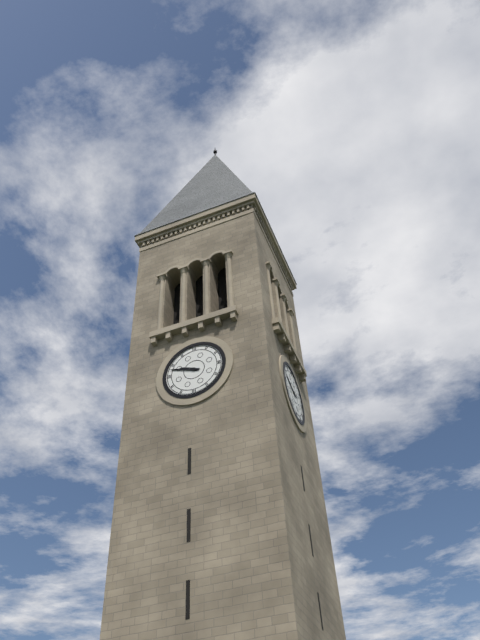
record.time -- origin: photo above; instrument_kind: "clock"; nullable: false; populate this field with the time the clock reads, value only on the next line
9:48
